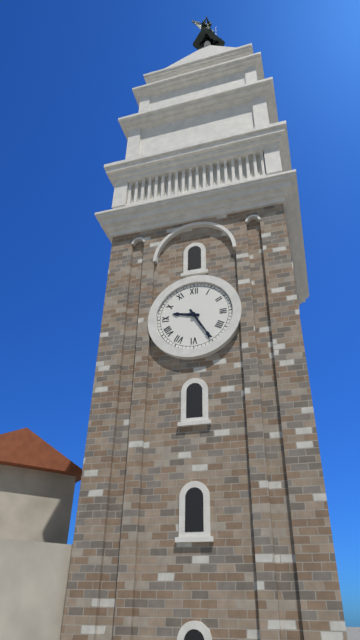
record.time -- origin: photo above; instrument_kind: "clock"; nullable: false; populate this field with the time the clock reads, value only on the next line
9:25
